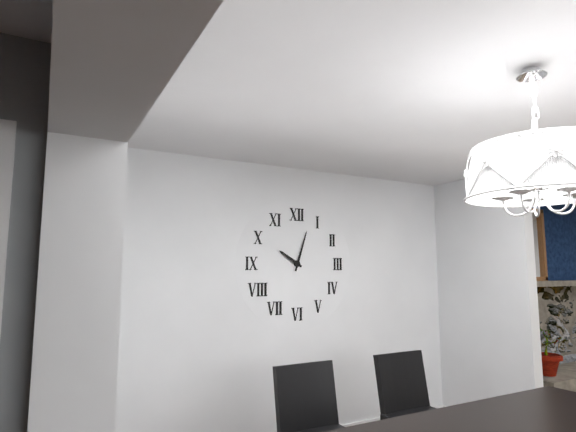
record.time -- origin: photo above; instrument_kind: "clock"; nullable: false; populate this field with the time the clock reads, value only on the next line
10:03
